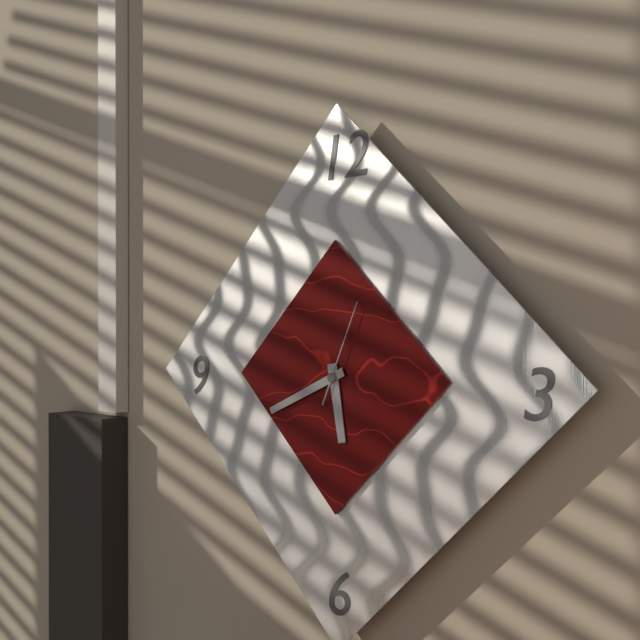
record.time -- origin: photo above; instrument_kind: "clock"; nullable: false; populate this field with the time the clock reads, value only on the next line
5:41:04
